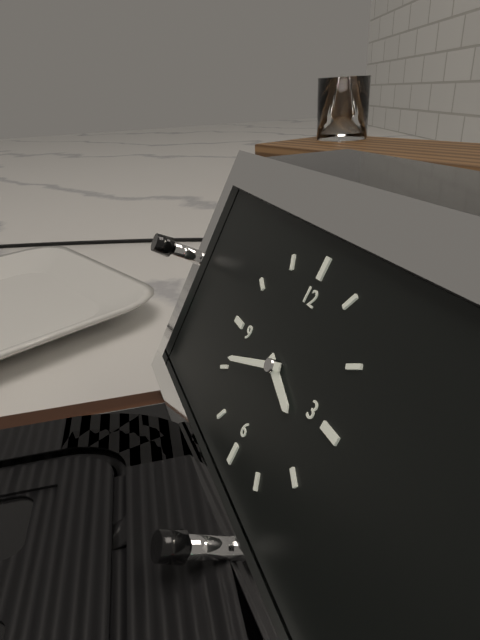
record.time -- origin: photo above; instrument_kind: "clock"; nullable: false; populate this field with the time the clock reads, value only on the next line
3:41
